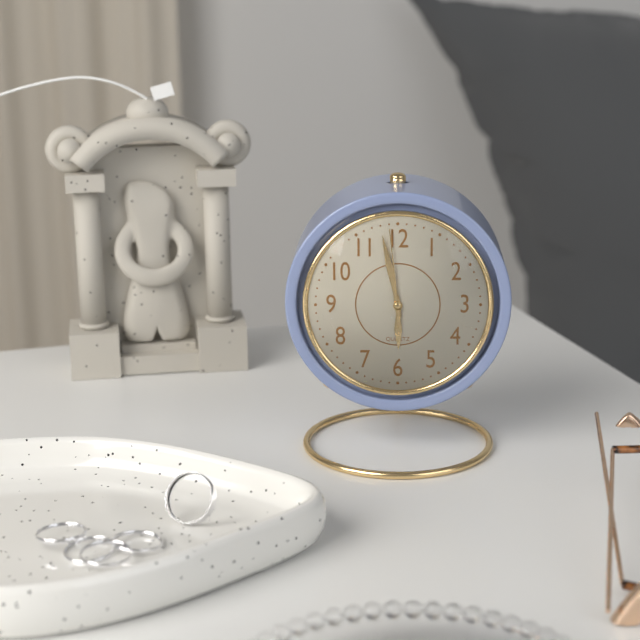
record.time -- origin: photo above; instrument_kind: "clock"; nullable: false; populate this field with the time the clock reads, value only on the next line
5:58:59
